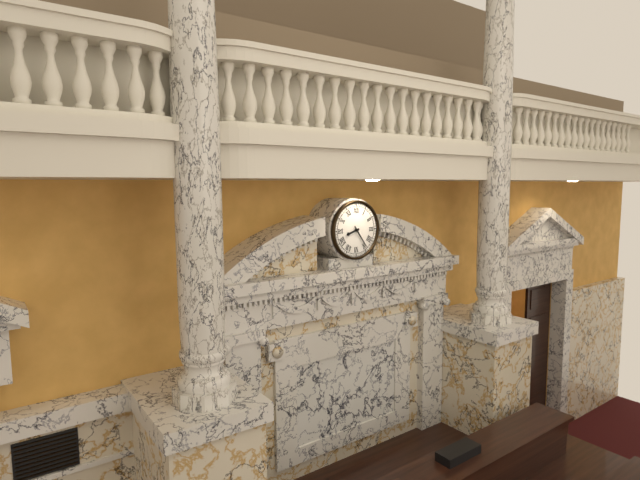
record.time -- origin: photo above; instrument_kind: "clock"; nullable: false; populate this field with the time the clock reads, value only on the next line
8:24
